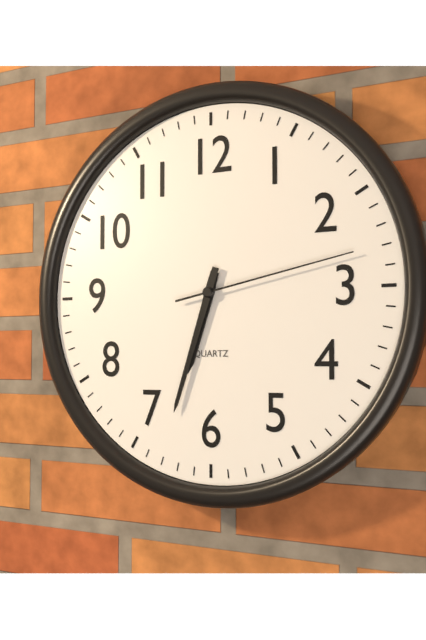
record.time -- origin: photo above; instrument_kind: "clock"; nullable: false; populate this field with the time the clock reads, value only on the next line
6:33:13
